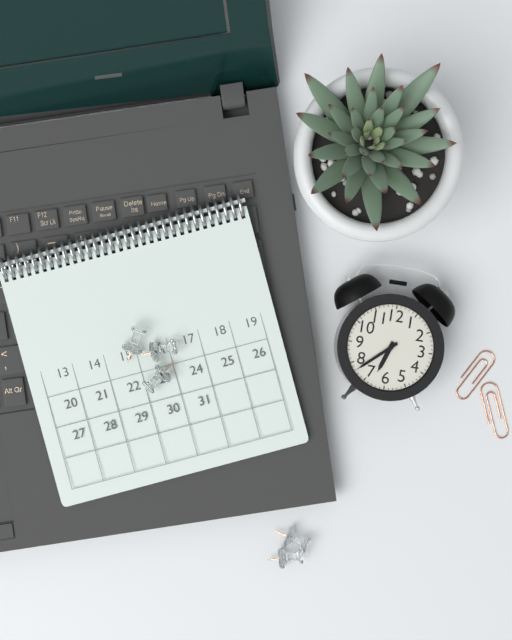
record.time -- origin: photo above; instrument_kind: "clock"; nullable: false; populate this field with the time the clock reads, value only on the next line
6:38
